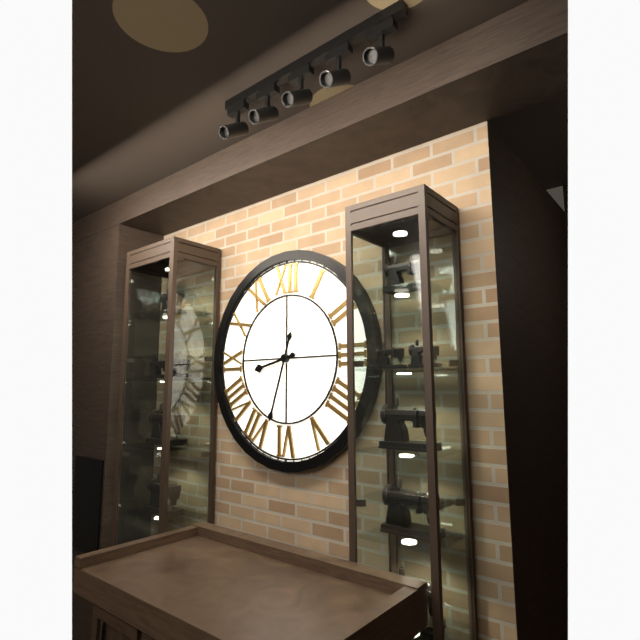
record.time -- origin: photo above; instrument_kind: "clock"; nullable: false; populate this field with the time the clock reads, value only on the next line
8:33
